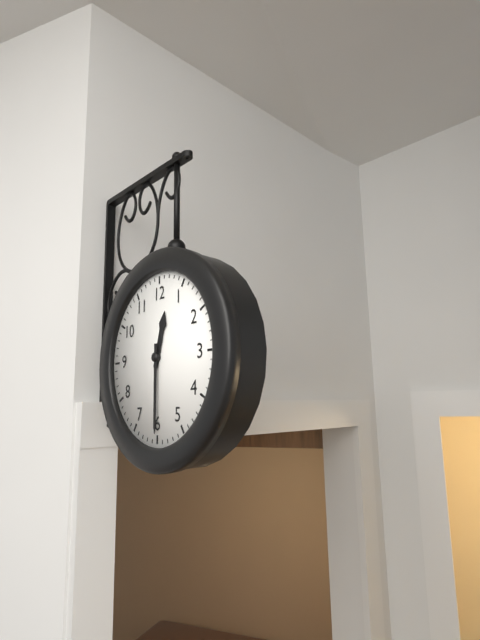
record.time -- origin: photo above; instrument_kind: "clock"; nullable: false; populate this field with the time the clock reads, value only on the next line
12:30
